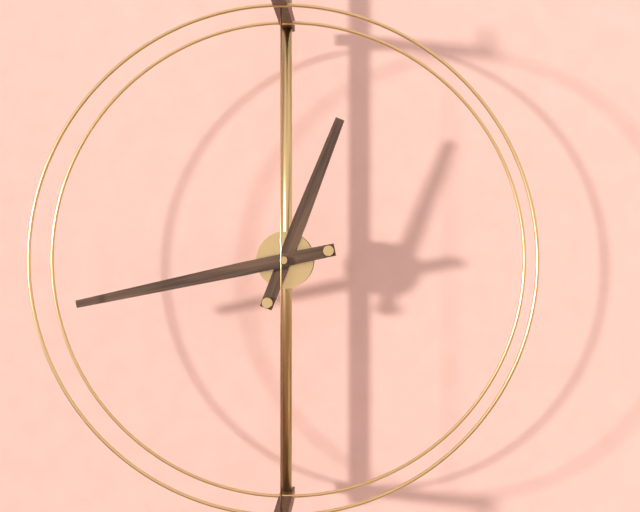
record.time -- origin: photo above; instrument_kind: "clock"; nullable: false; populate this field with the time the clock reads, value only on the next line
12:43
